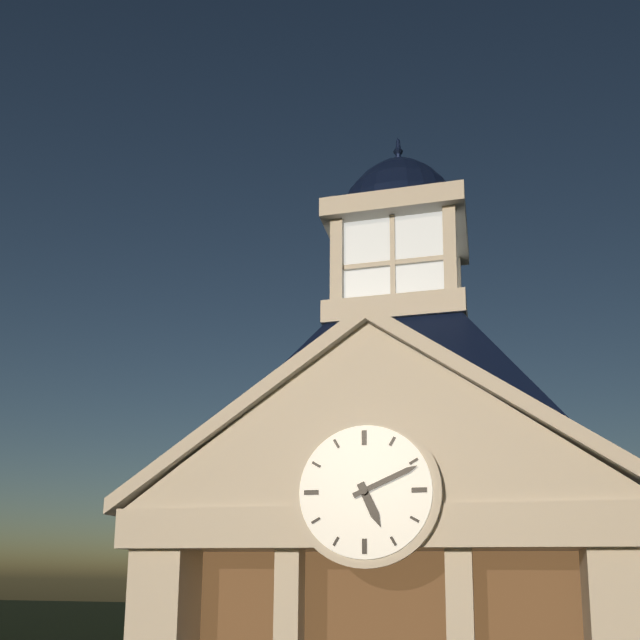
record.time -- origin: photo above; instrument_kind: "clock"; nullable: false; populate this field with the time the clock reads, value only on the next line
5:11
